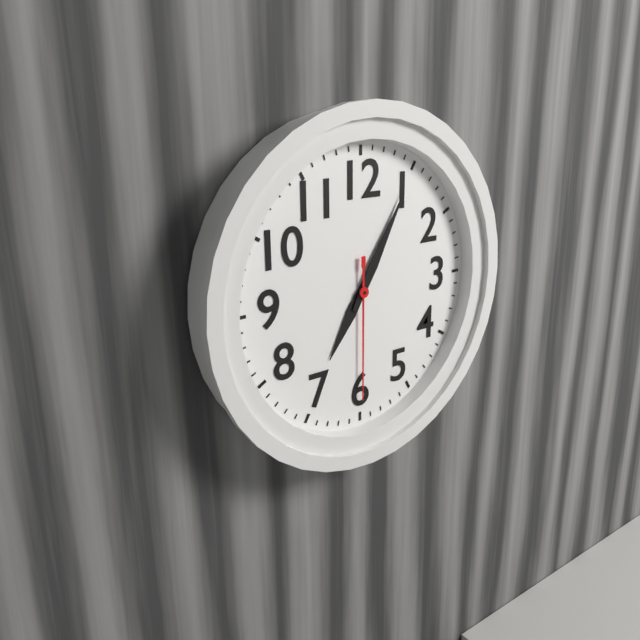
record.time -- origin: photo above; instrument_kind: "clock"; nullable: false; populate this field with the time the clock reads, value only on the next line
7:05:30
